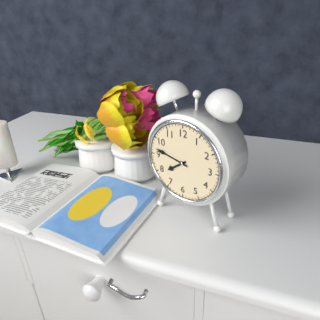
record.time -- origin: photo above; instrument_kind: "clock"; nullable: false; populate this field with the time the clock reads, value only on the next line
7:47
